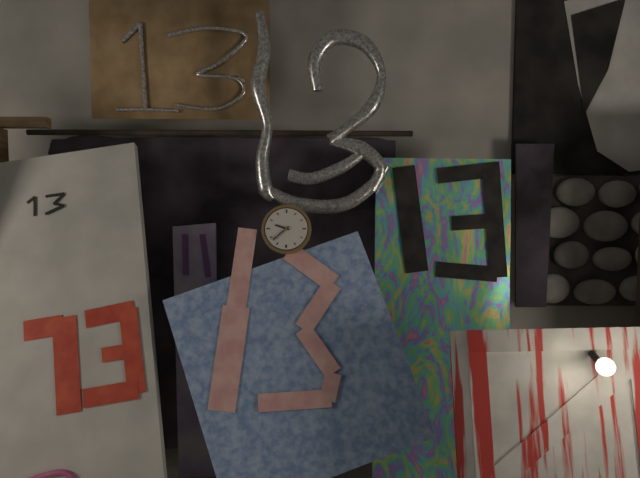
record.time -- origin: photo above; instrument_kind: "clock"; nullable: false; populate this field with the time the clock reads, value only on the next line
9:38
